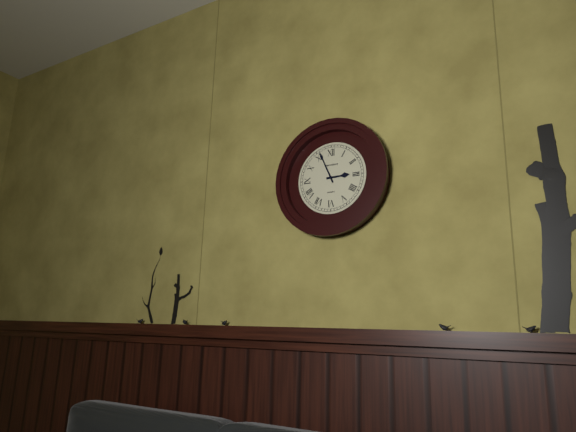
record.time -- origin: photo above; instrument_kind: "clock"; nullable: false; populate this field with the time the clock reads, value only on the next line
2:56
